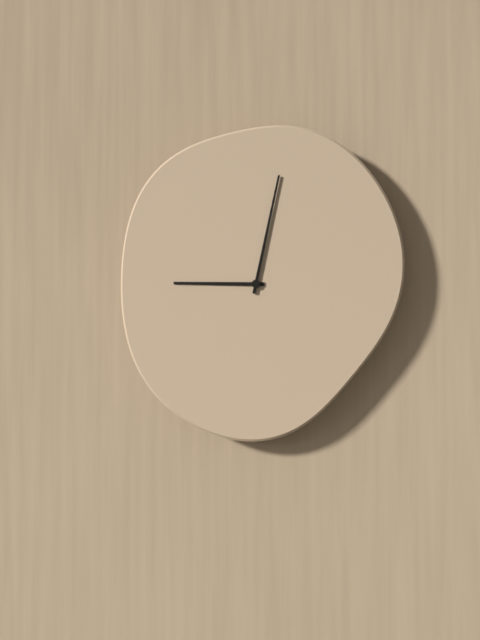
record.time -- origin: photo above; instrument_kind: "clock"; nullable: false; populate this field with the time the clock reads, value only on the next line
9:02
